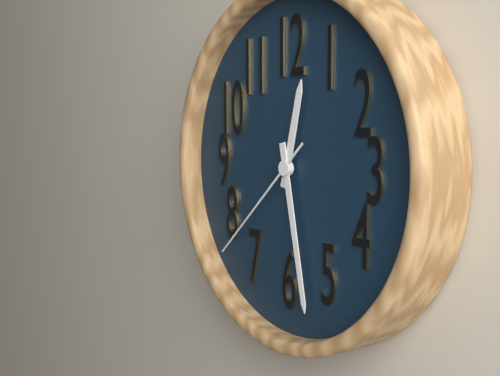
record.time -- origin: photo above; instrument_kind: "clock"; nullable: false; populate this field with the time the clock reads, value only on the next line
12:28:38
